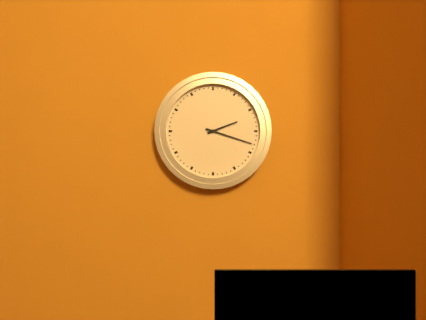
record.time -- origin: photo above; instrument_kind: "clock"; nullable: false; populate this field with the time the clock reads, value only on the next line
2:18
